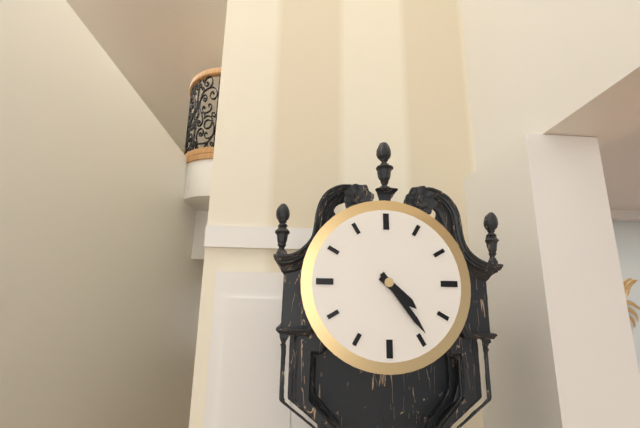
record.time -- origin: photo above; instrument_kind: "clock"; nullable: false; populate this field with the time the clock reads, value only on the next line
4:24
